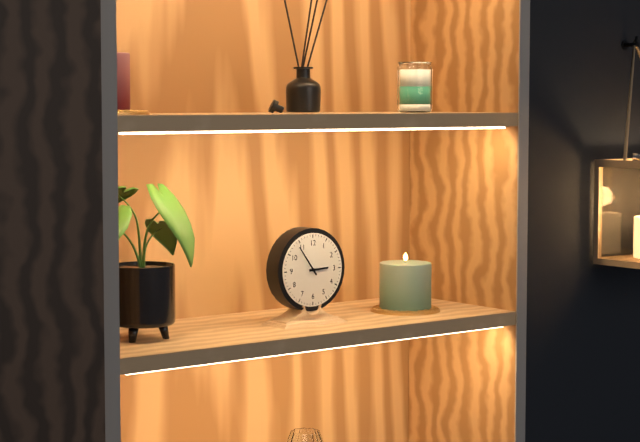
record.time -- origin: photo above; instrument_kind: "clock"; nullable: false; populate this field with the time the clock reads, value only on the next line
2:54
